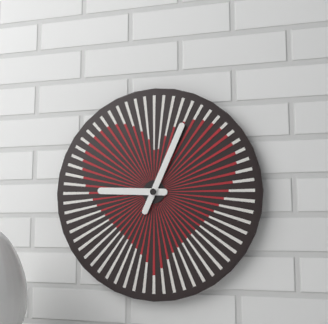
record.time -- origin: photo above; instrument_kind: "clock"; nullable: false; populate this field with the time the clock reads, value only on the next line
9:04
